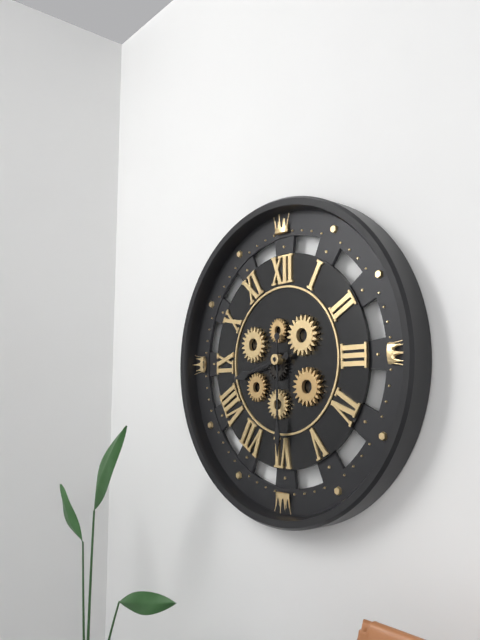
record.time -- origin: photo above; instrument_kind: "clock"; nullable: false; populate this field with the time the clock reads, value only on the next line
8:30
